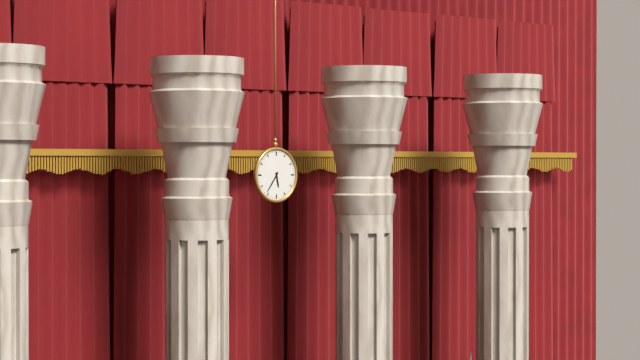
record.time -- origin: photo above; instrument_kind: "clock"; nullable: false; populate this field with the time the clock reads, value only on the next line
5:36
